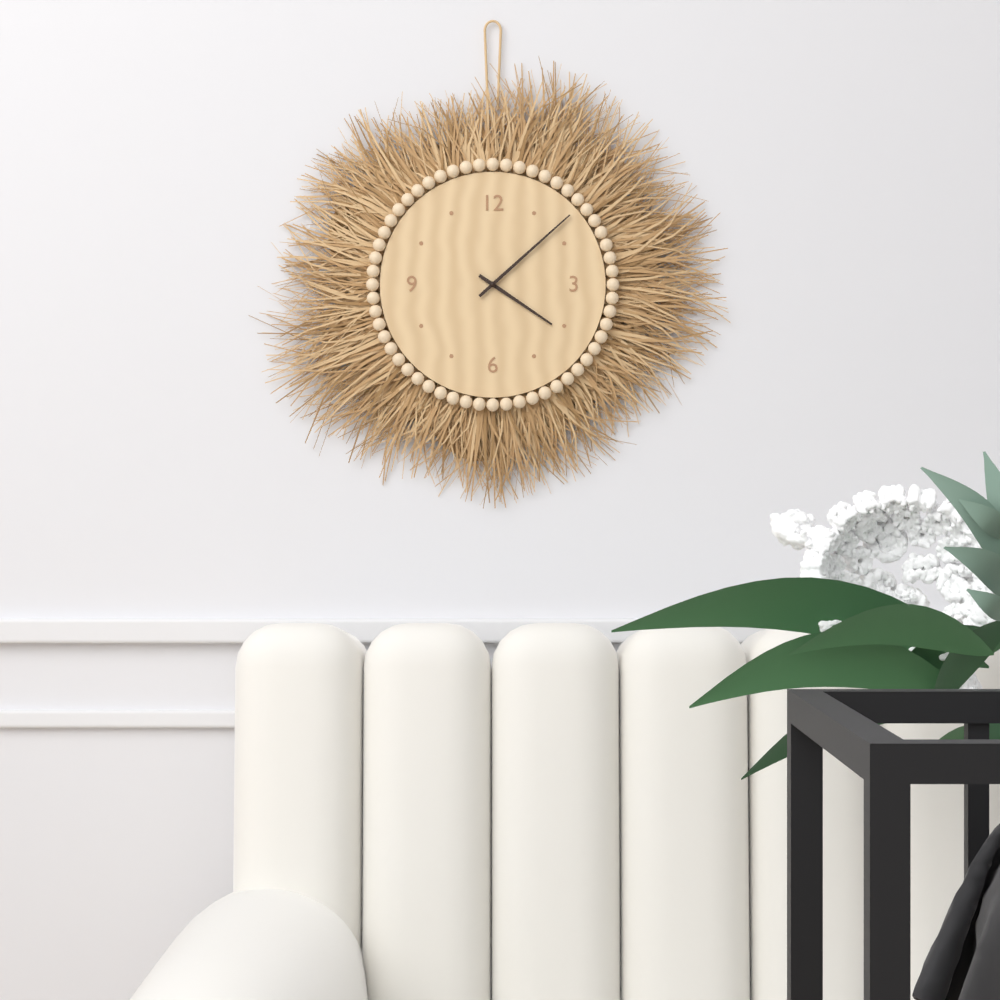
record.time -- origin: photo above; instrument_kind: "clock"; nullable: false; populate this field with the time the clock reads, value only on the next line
4:08
